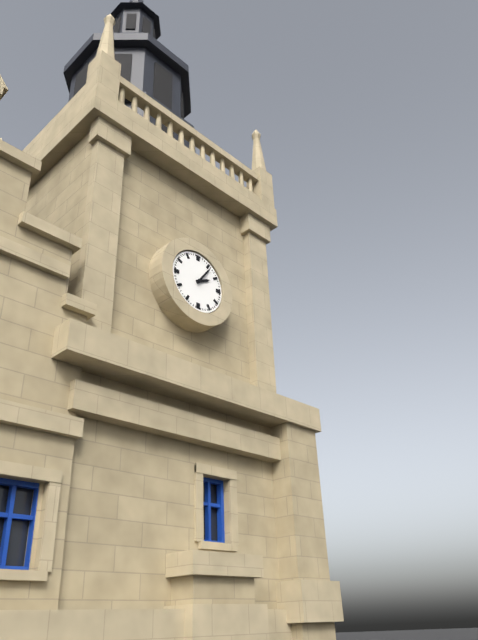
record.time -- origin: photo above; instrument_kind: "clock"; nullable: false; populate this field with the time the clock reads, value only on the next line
2:06
